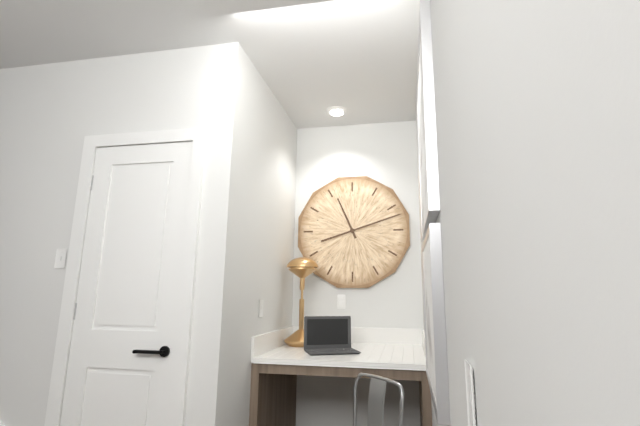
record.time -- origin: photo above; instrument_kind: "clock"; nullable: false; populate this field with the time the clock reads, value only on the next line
11:12
